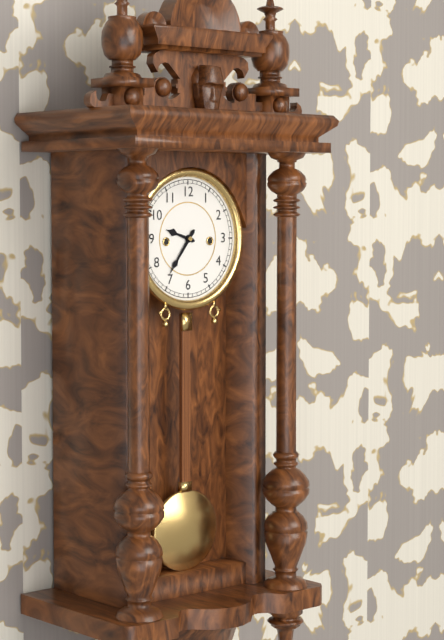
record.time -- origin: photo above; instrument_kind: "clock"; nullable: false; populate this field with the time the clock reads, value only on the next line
9:36
